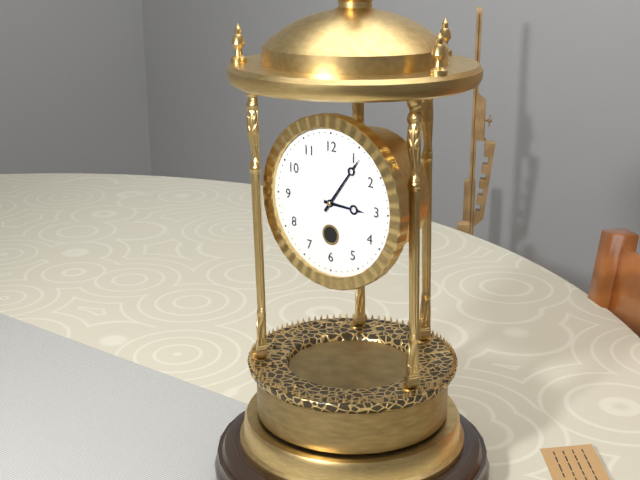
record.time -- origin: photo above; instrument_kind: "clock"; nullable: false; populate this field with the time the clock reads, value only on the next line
3:06
